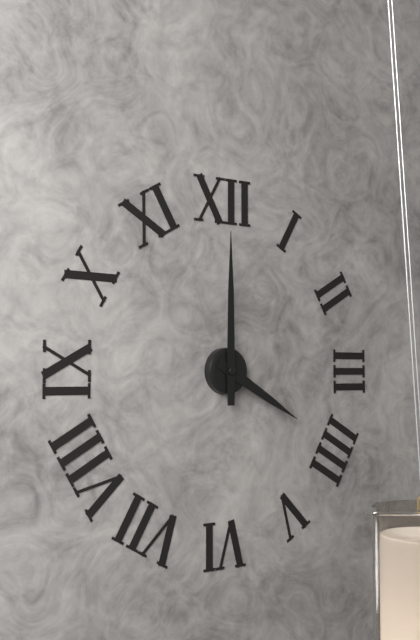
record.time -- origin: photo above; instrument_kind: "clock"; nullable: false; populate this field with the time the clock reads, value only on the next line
4:00
